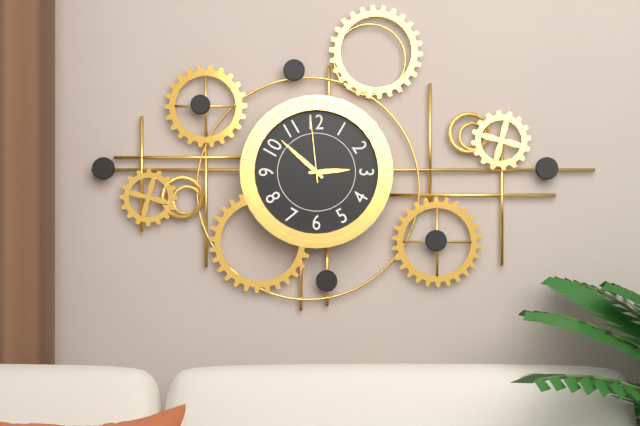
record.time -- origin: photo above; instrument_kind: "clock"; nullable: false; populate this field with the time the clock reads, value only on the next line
2:52:59
